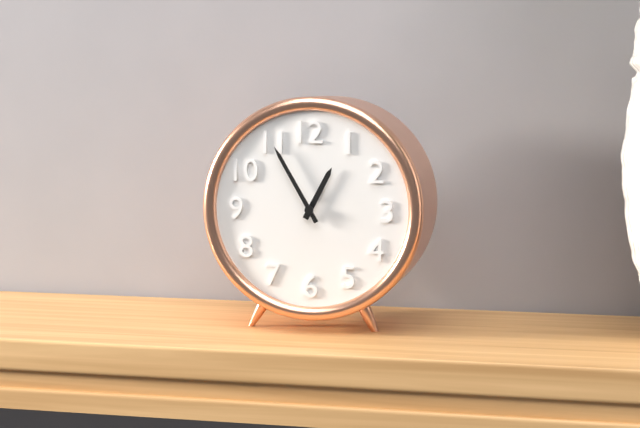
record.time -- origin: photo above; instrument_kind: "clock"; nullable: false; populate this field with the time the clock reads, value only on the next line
12:55
